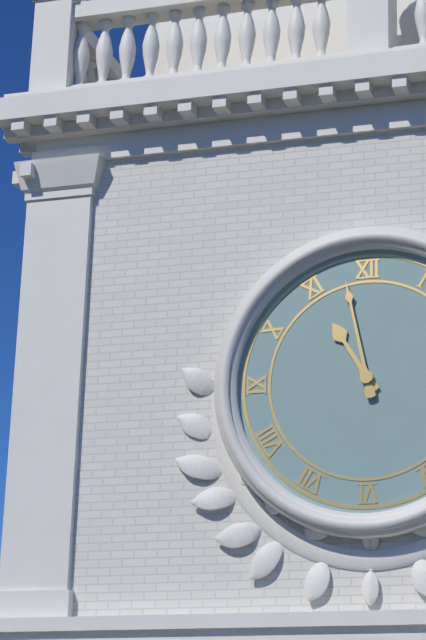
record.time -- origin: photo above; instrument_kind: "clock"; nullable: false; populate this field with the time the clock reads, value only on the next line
10:58
